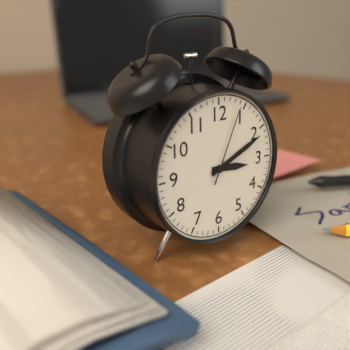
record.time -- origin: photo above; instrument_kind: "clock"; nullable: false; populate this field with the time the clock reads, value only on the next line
3:11:04
